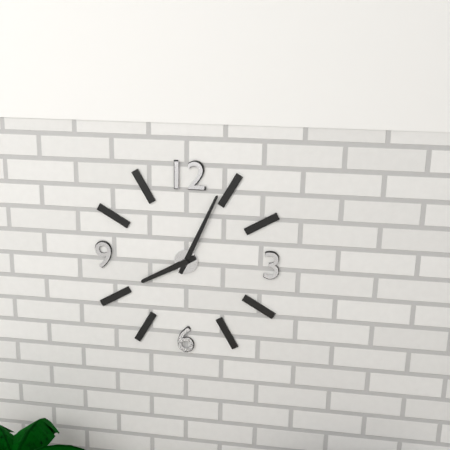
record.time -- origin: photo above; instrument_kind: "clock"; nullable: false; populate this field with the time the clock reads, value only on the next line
8:04
